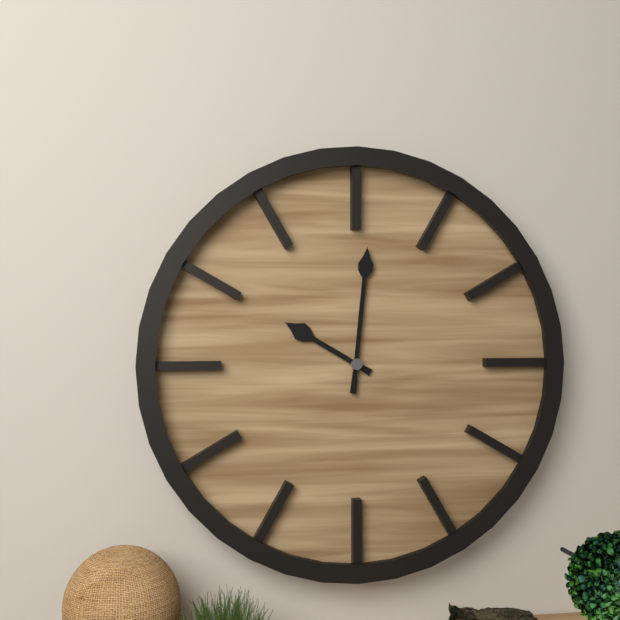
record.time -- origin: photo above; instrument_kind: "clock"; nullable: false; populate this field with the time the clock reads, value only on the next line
10:01
